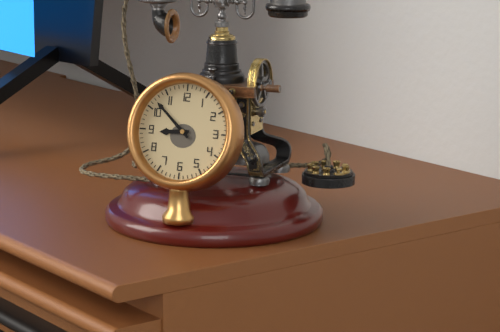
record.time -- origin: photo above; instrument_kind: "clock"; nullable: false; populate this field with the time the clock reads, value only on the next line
8:52
